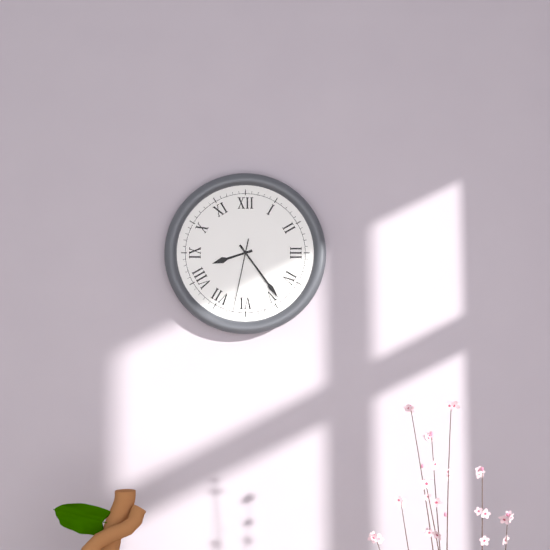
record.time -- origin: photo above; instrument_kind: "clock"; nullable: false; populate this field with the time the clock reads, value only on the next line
8:24:32
